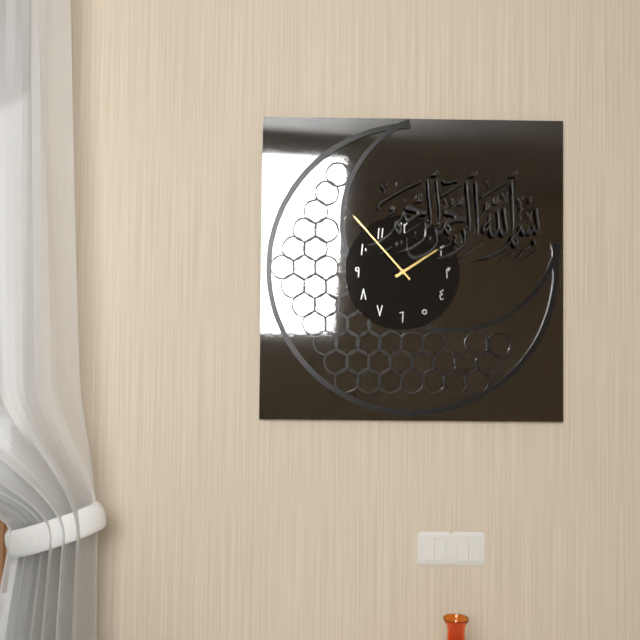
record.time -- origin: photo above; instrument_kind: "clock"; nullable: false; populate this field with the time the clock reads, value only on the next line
1:53
